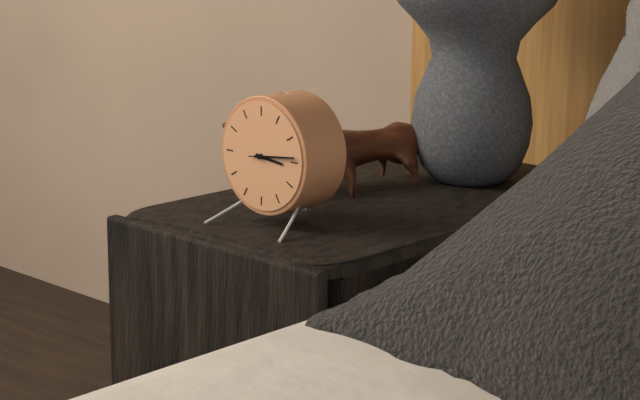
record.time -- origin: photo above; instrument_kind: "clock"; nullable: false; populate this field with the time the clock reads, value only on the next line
3:14
